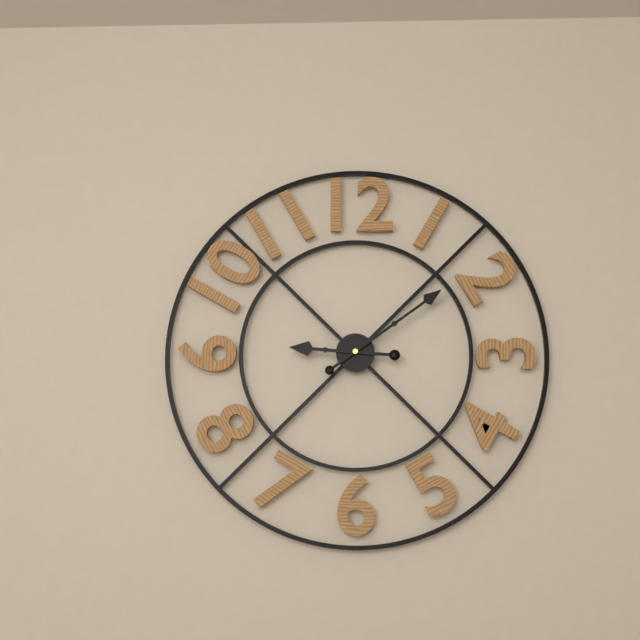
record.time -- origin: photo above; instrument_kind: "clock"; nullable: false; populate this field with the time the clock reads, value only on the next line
9:09
